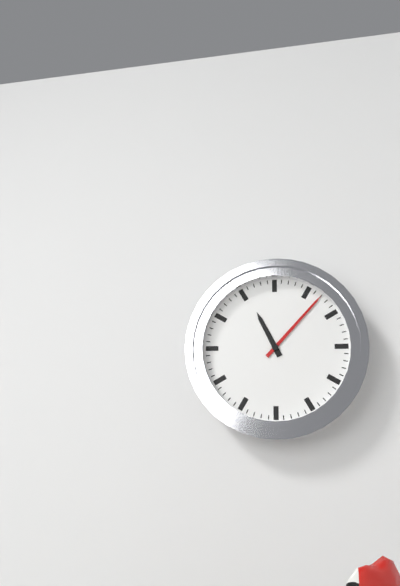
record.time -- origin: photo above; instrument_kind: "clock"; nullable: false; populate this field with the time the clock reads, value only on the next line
11:07
